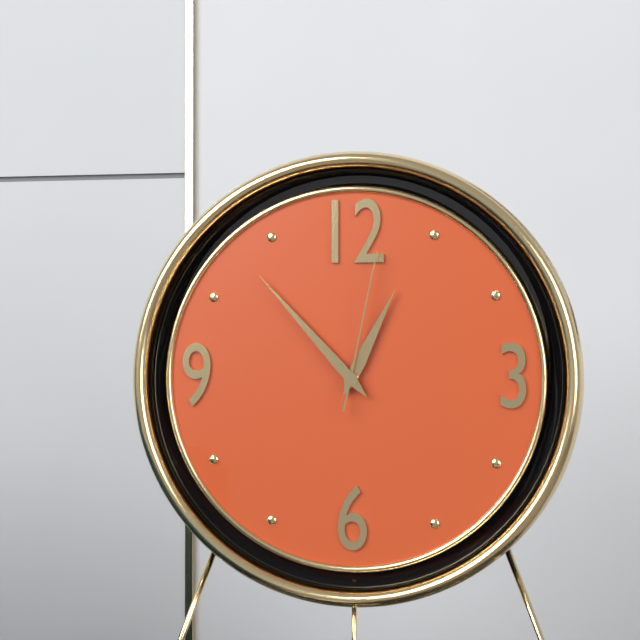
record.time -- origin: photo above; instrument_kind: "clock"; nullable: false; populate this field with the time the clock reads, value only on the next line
12:53:02
